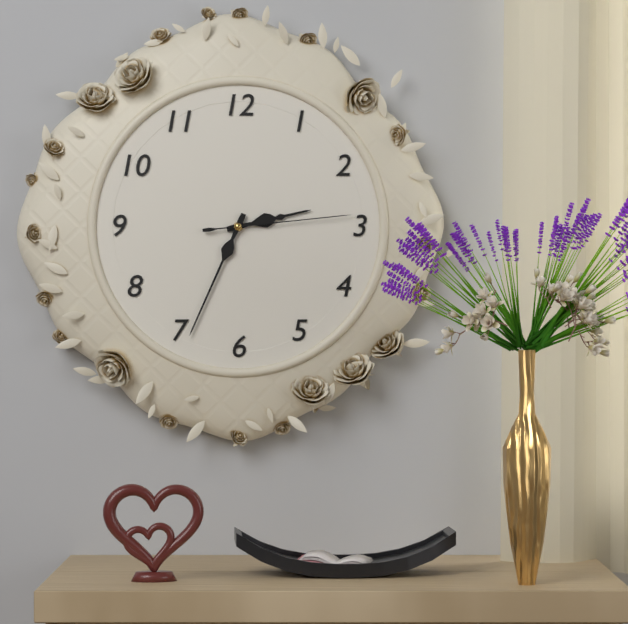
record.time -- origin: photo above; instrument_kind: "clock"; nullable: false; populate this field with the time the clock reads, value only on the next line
2:34:14
